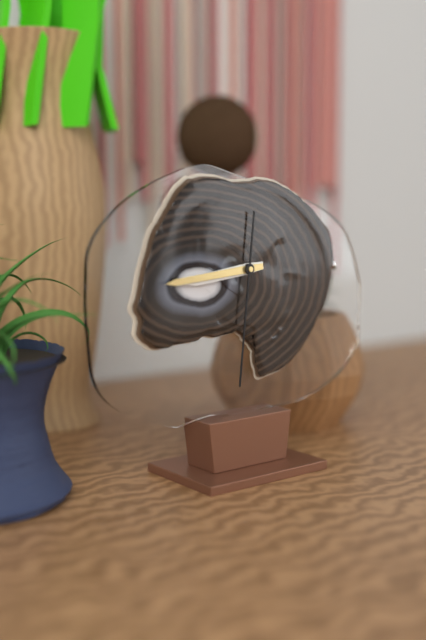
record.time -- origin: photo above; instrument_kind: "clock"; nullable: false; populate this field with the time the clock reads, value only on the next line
8:44:31
